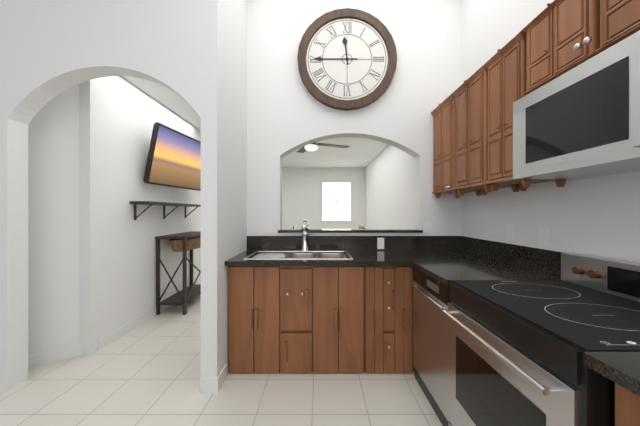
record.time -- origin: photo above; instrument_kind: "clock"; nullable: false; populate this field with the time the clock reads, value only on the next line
11:45
